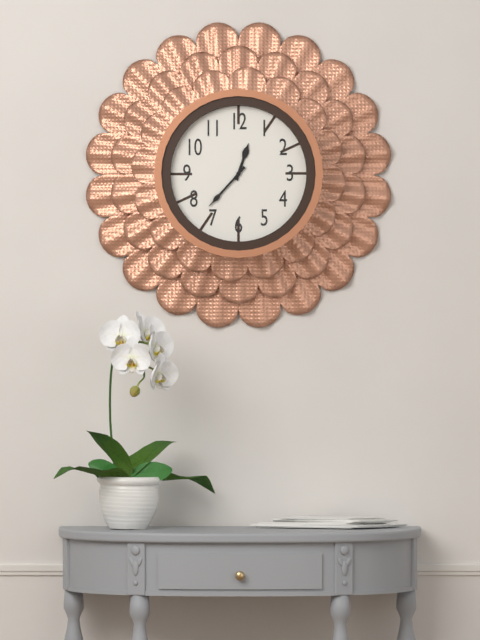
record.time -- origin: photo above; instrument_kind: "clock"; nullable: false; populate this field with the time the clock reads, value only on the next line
12:37
